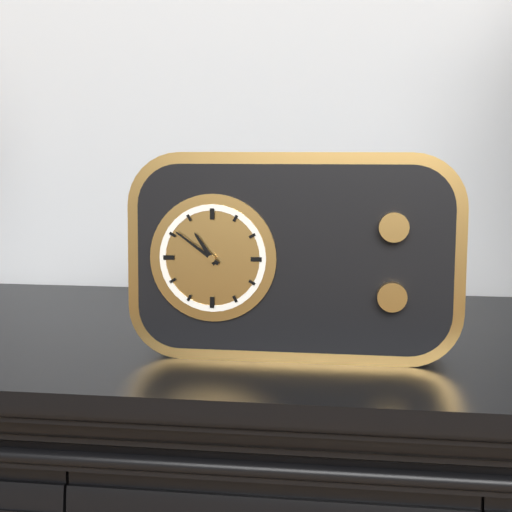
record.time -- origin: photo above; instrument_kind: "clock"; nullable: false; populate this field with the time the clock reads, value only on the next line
10:51
